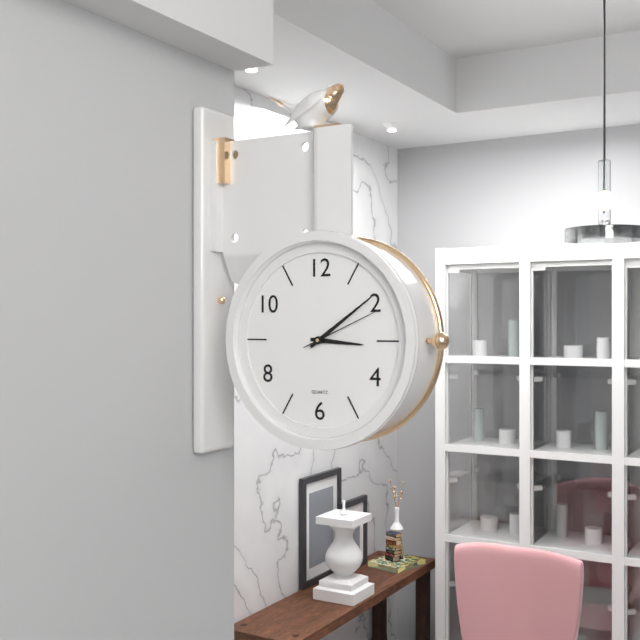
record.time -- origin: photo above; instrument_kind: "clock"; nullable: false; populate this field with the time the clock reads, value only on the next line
3:09:11
